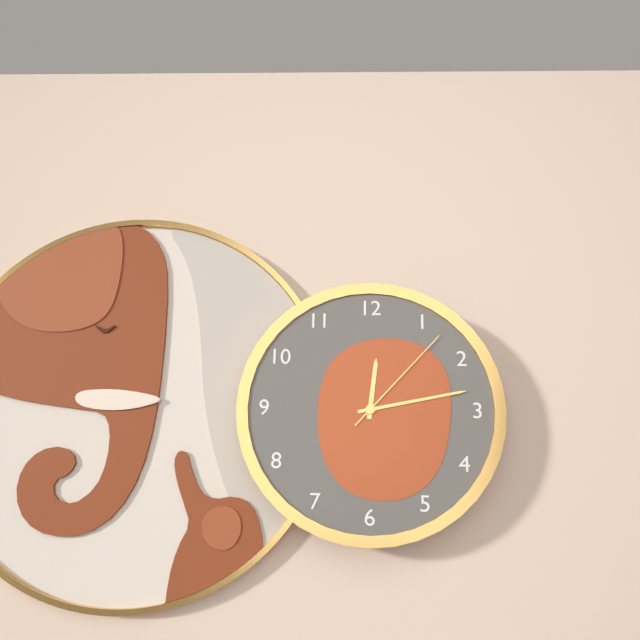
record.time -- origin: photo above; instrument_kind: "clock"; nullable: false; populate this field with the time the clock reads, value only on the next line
12:13:07
